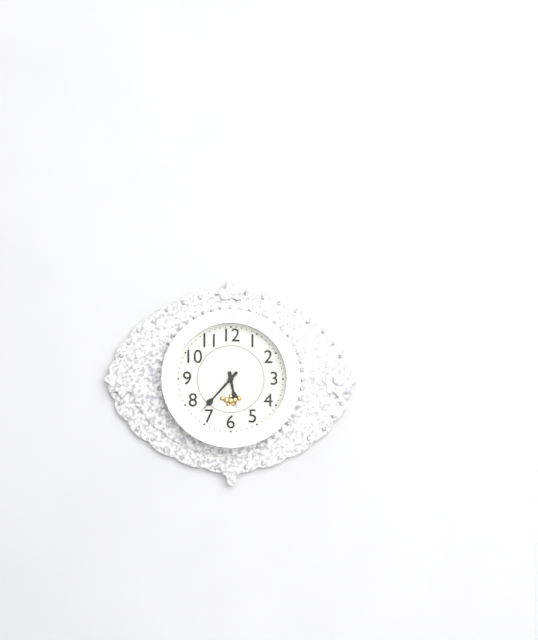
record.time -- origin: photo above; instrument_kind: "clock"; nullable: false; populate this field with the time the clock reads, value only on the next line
5:37
